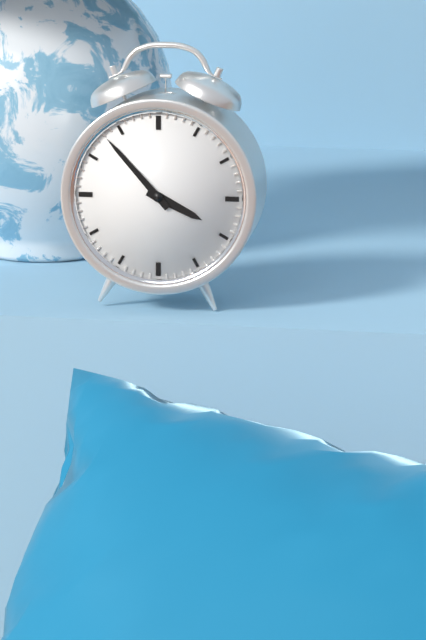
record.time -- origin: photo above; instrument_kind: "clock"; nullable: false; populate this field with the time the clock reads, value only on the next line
3:53
